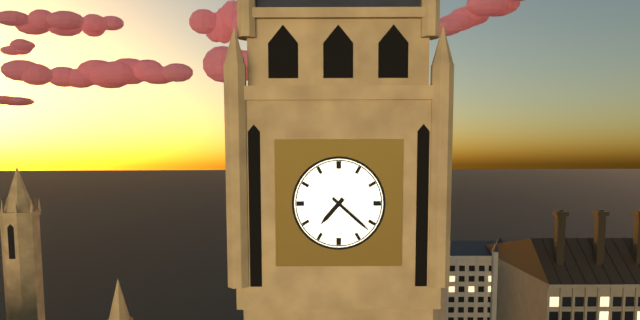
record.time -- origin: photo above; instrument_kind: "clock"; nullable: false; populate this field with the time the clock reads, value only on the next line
7:22
